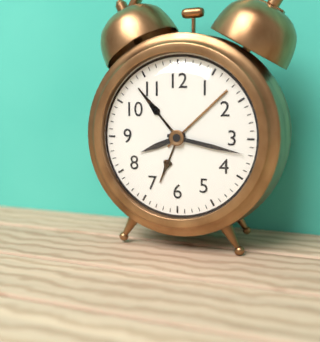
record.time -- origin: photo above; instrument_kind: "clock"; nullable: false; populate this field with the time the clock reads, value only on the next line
8:17
